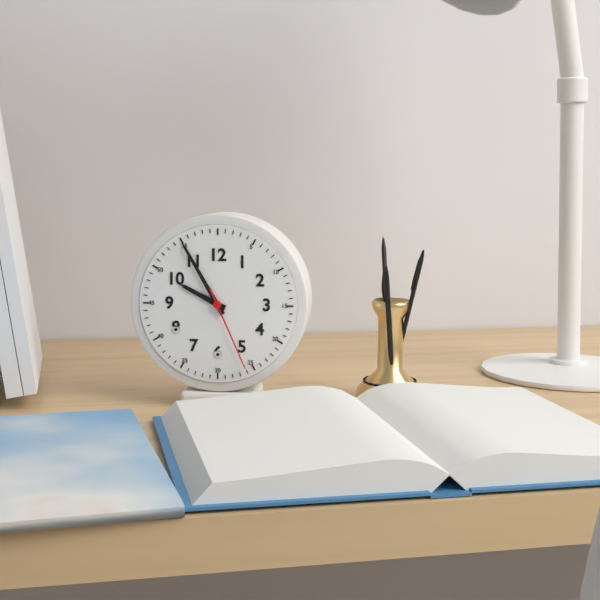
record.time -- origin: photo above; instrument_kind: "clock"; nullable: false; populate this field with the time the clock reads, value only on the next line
9:55:26
